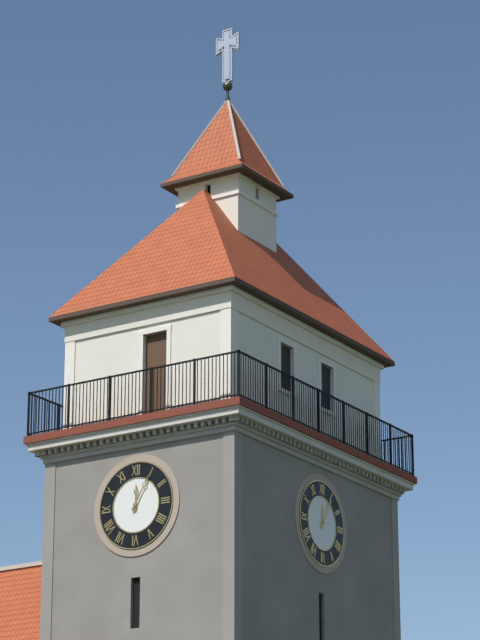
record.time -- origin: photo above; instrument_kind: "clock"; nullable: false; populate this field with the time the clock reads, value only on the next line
12:05
